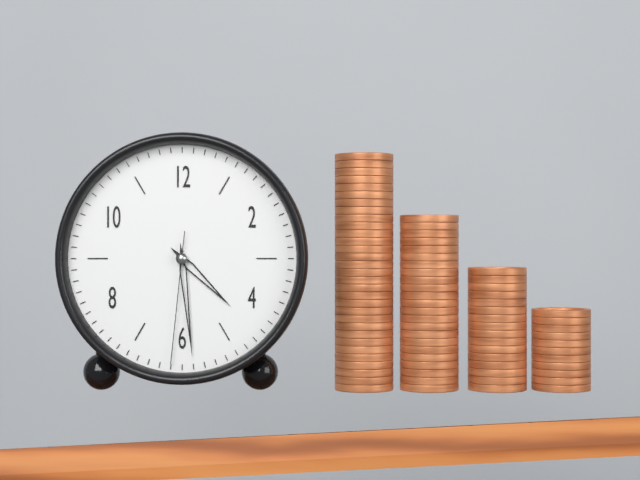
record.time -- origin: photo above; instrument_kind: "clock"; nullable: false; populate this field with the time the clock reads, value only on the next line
4:29:31
